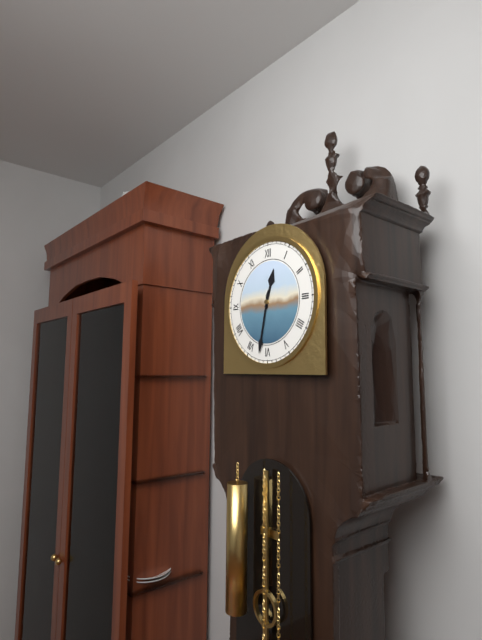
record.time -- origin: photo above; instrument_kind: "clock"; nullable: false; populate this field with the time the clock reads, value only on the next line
12:32
